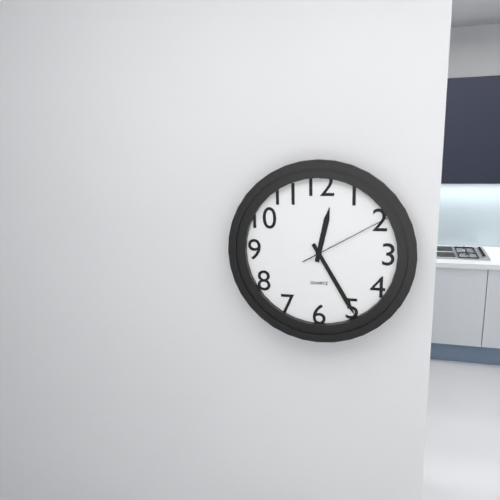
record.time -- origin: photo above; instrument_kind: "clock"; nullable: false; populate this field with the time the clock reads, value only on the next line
12:25:10
